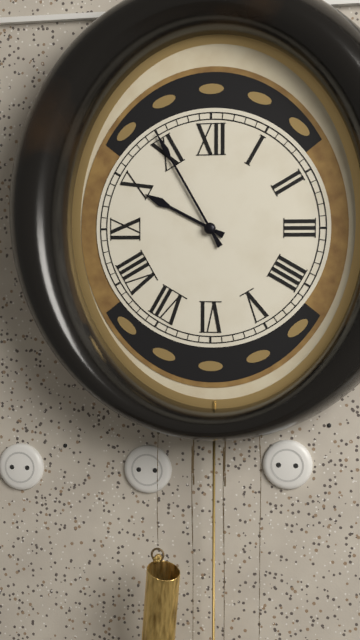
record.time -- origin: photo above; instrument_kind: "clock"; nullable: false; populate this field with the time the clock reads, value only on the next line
9:55
